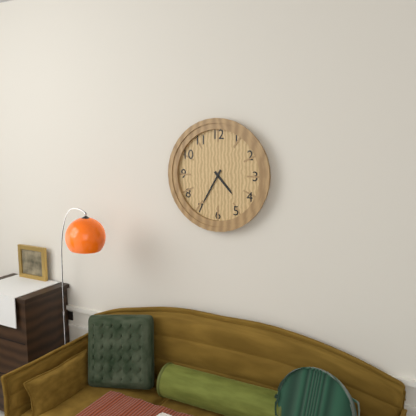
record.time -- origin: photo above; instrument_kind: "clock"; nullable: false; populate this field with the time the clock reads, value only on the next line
4:35
